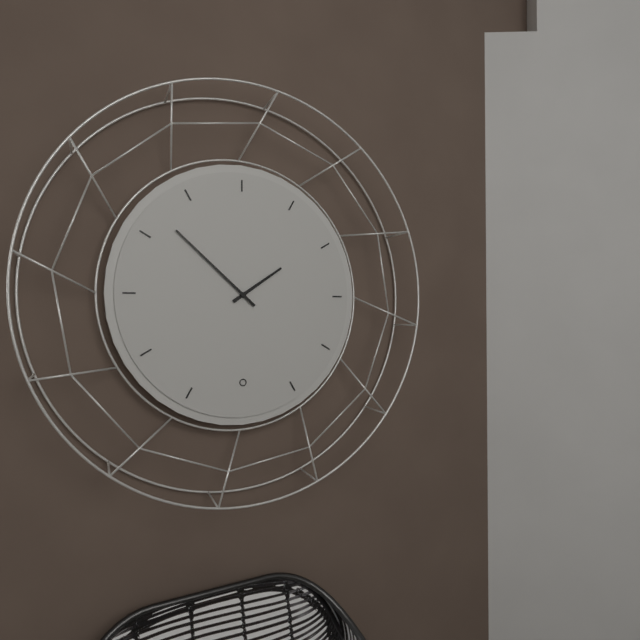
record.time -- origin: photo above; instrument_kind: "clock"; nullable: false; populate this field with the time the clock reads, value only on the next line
1:52
